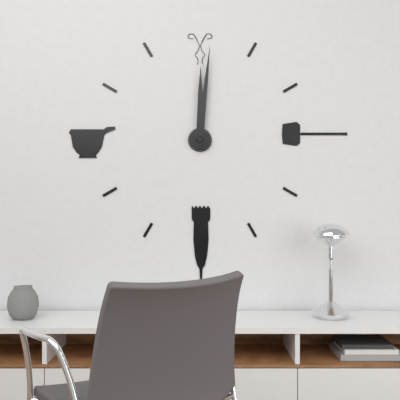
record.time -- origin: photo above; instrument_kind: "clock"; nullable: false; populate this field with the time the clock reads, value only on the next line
12:01
